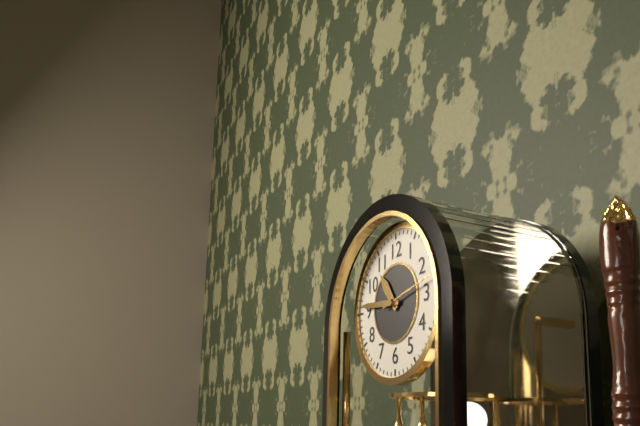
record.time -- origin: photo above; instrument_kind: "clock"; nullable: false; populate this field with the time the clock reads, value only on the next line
10:46:13
